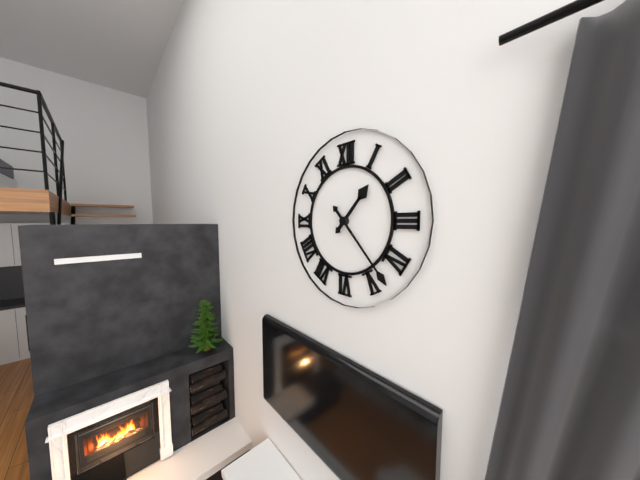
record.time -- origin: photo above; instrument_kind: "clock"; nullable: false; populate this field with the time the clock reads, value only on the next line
1:23
